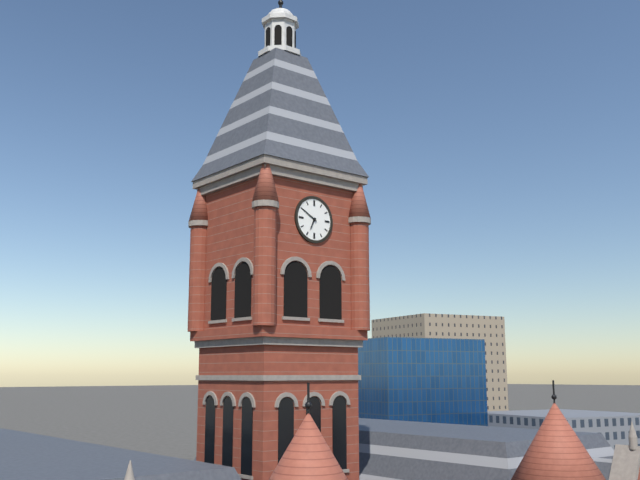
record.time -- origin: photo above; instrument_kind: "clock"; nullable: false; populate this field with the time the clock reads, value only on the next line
6:50
